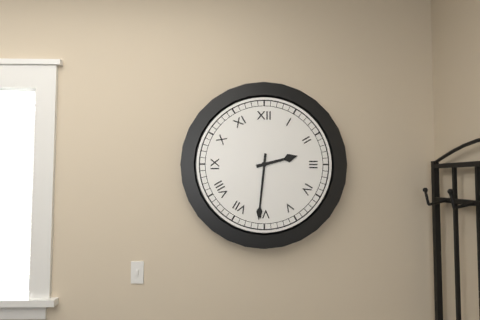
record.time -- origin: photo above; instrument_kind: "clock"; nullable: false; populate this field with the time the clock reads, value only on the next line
2:31
